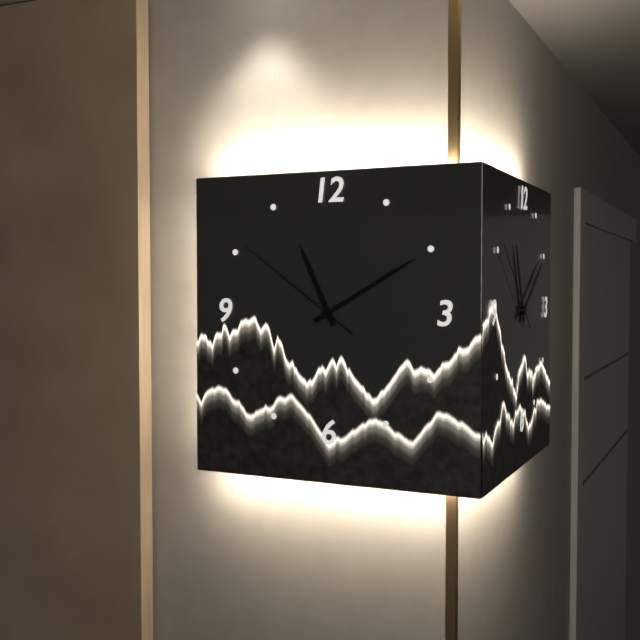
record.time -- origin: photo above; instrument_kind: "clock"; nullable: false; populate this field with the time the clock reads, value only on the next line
11:10:51
